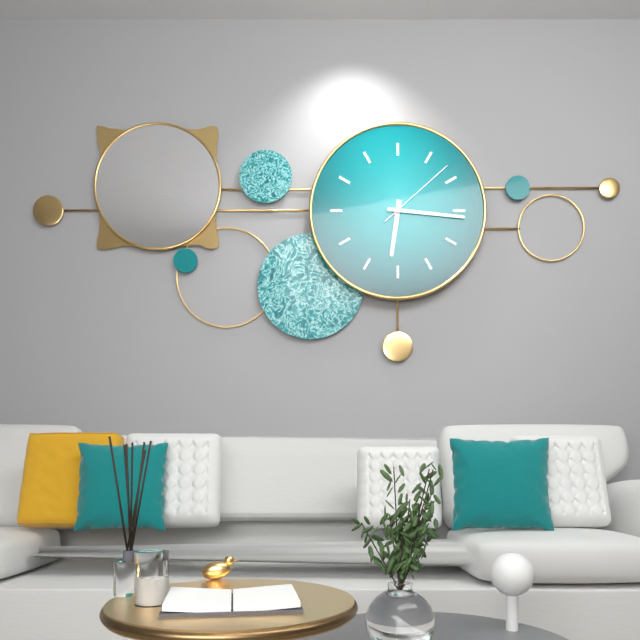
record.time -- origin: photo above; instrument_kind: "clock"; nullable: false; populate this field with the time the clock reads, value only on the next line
6:16:08
